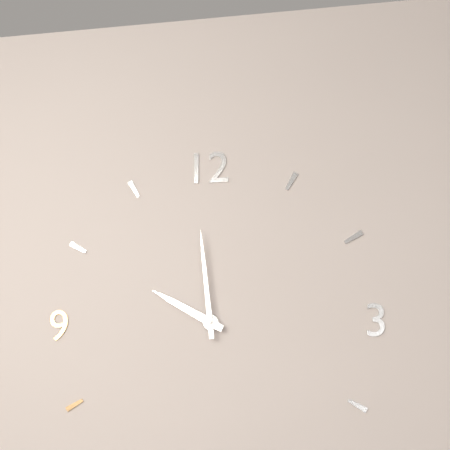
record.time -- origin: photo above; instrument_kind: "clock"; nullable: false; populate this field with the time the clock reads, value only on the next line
9:59
